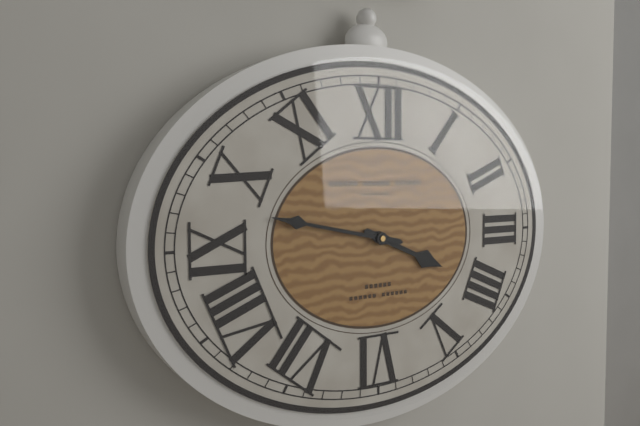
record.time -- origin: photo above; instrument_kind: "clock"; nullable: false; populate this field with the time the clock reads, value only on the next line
3:47
